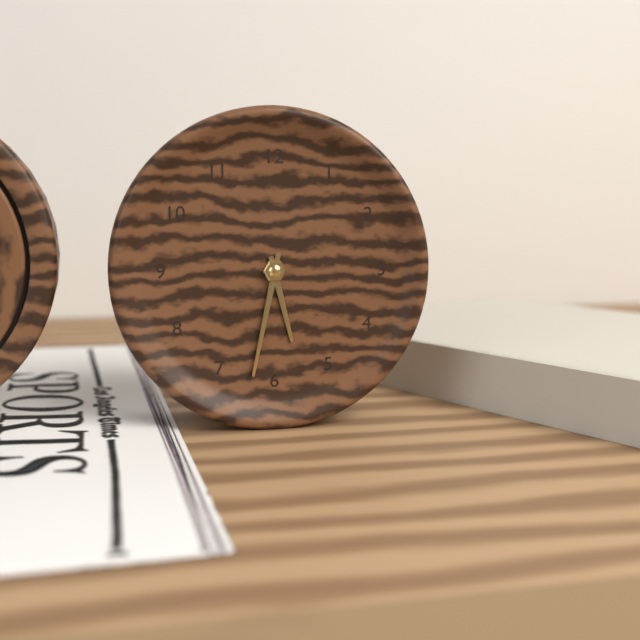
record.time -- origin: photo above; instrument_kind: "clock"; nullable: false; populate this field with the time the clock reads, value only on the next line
5:32
